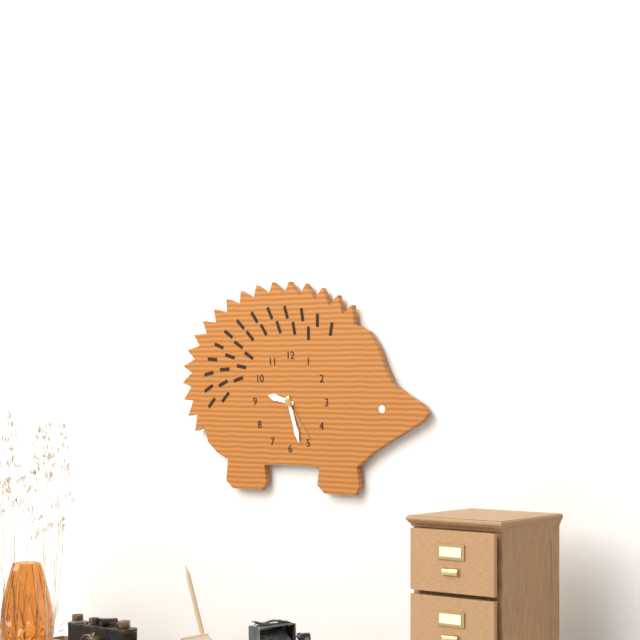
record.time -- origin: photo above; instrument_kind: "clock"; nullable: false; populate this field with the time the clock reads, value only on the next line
9:27:24
